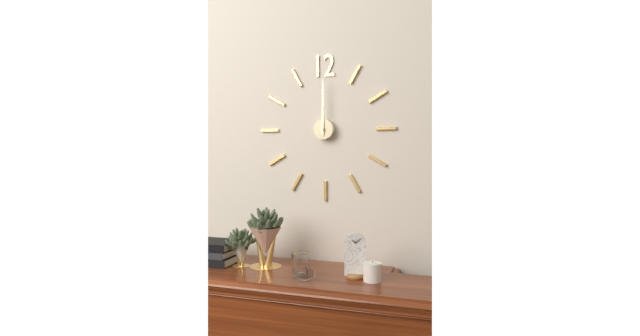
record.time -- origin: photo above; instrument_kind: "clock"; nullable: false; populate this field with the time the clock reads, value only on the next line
12:00
